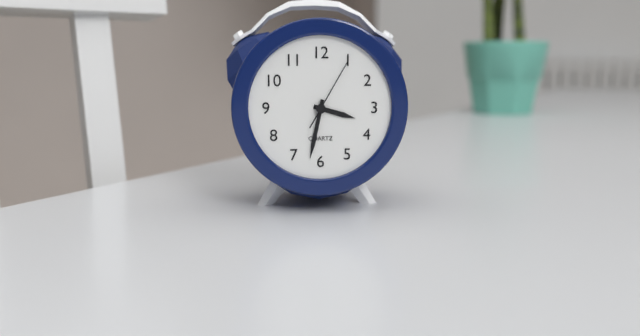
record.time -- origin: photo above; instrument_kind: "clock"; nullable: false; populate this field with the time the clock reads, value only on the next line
3:32:05
